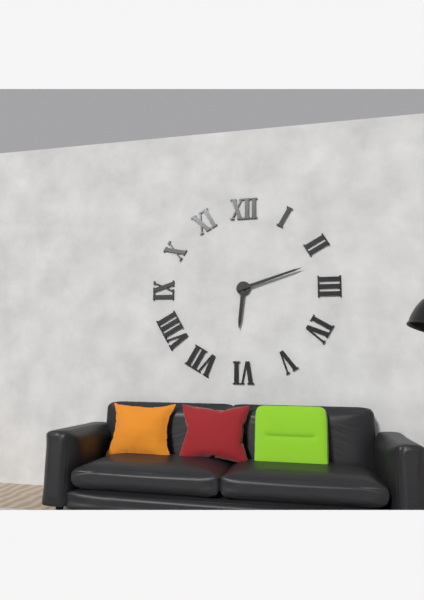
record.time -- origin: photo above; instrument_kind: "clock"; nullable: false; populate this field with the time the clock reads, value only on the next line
6:12
